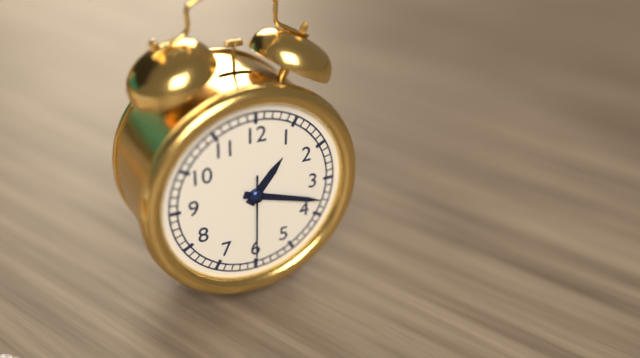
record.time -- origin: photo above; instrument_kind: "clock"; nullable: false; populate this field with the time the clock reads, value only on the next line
1:18:30
